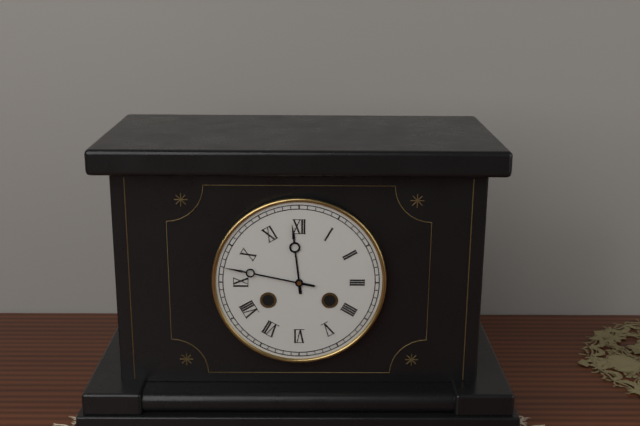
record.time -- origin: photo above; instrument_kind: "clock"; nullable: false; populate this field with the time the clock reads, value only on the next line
11:47
